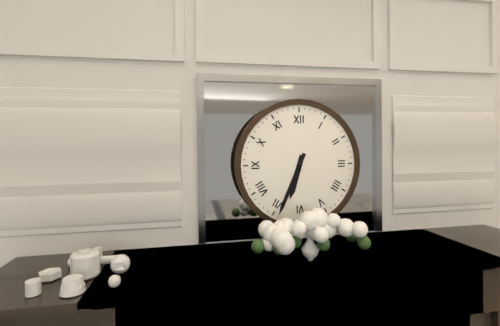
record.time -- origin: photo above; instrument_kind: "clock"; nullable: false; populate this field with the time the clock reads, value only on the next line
6:34
